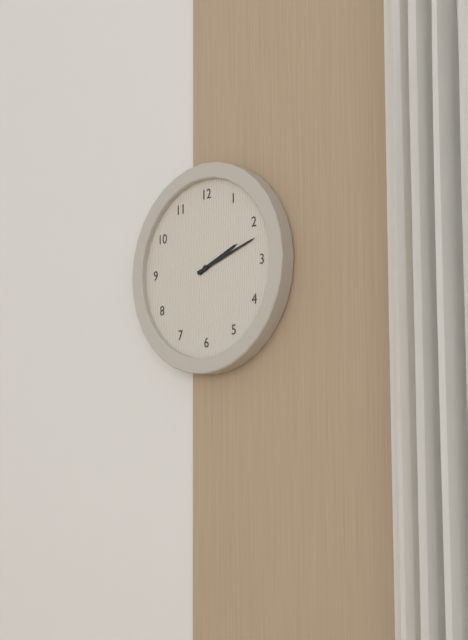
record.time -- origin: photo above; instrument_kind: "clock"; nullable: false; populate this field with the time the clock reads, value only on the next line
2:12
